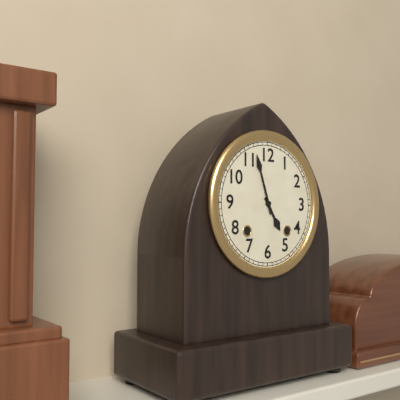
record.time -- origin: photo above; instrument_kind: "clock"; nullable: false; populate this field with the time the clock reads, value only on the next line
4:57
